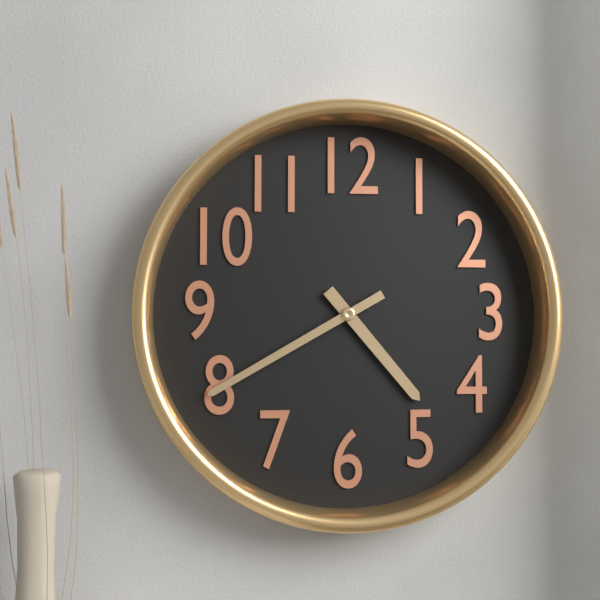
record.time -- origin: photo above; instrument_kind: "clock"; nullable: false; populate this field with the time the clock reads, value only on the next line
4:40
